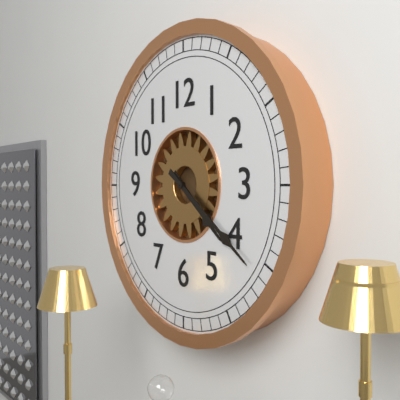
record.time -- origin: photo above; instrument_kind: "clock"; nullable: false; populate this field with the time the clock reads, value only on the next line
4:21
